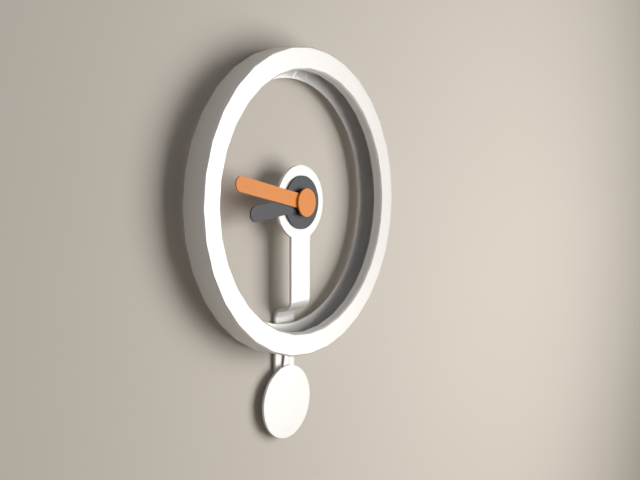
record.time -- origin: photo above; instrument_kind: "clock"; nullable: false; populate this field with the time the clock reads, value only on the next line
8:47
